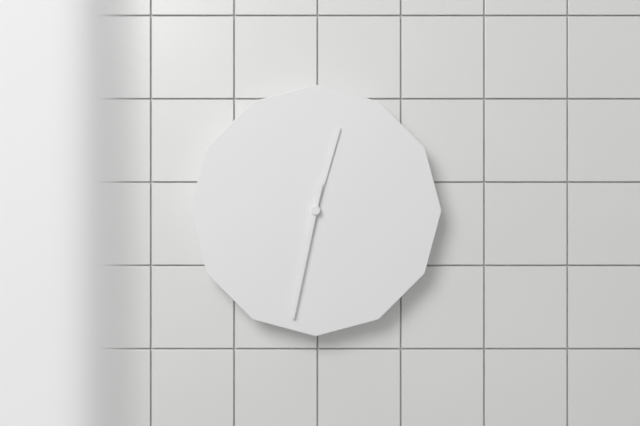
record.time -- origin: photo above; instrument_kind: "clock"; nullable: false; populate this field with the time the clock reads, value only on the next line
12:32
